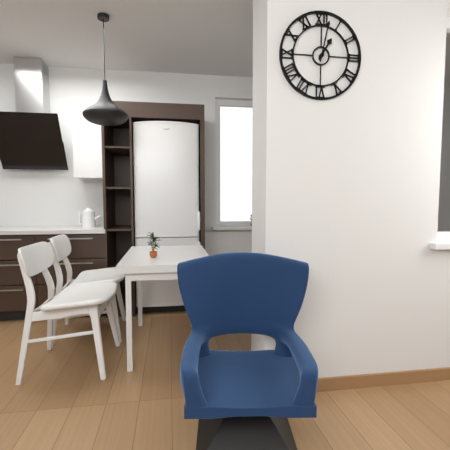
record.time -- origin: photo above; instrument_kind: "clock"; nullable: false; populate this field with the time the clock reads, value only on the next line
1:02
